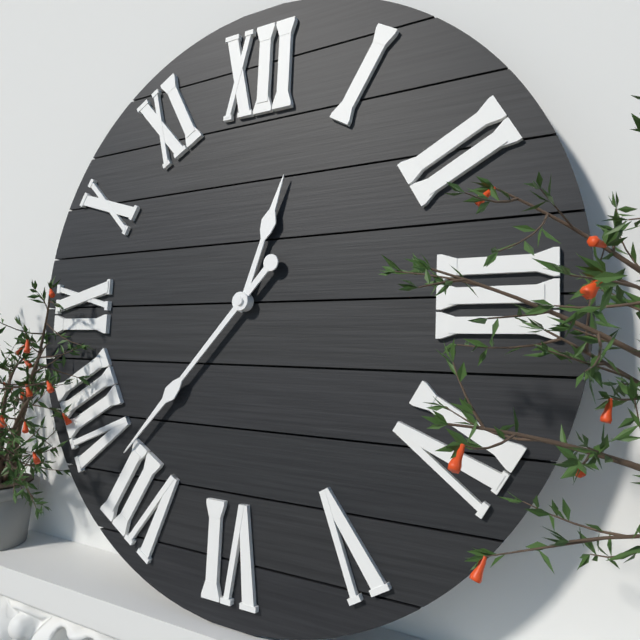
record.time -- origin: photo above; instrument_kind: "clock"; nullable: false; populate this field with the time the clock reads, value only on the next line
12:37
